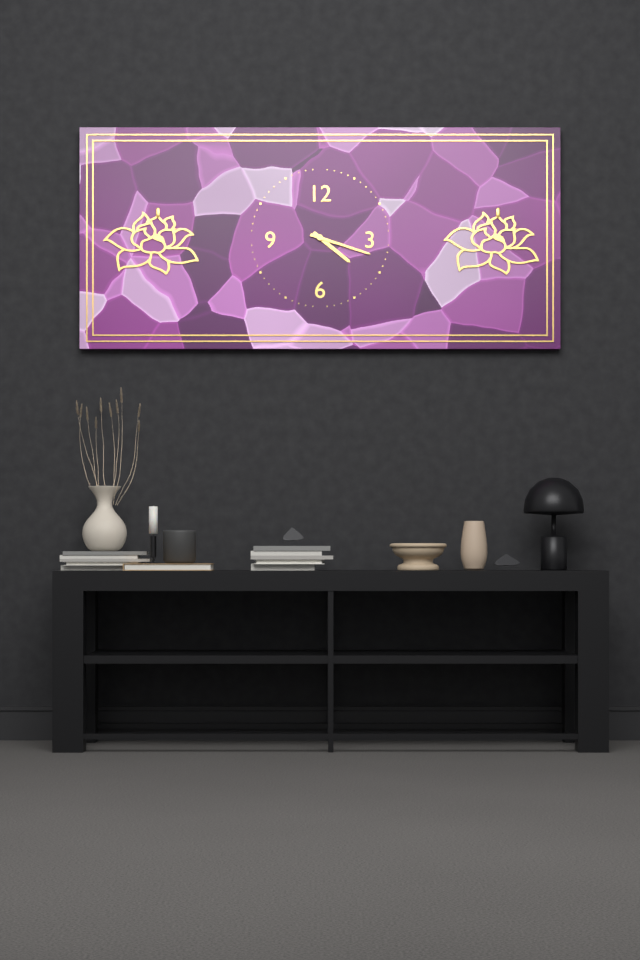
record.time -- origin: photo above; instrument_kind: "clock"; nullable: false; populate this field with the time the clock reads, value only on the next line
4:18
